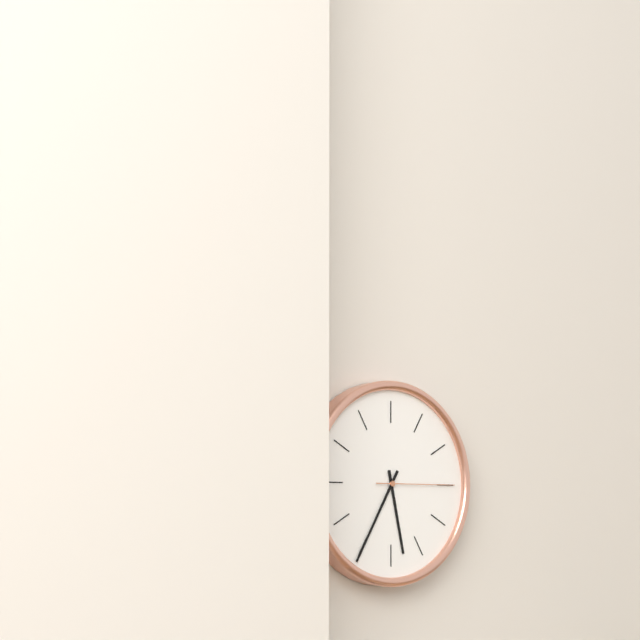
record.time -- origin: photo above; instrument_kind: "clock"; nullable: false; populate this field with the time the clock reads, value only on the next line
5:35:15
